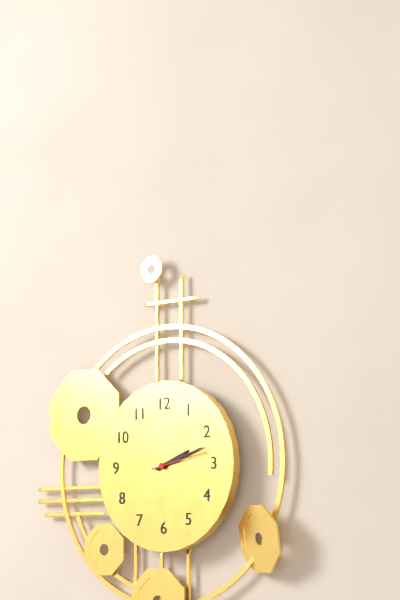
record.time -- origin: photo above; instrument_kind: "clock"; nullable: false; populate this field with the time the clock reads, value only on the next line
2:12:13
